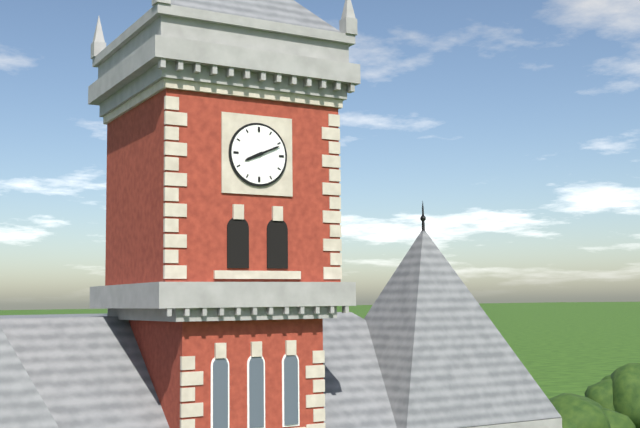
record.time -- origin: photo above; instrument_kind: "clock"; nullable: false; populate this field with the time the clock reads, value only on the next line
8:11
